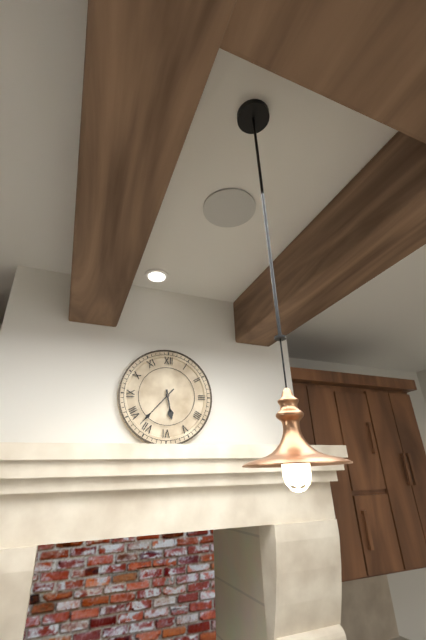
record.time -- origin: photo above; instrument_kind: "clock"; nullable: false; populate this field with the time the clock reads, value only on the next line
5:37
